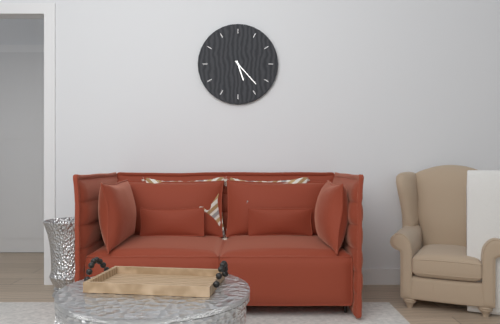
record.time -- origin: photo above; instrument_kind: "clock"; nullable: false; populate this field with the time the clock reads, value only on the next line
5:23
